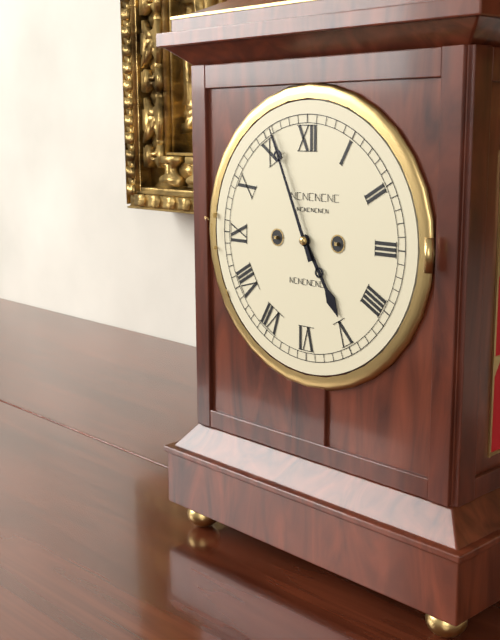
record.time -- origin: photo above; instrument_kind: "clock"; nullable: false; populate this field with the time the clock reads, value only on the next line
4:56
